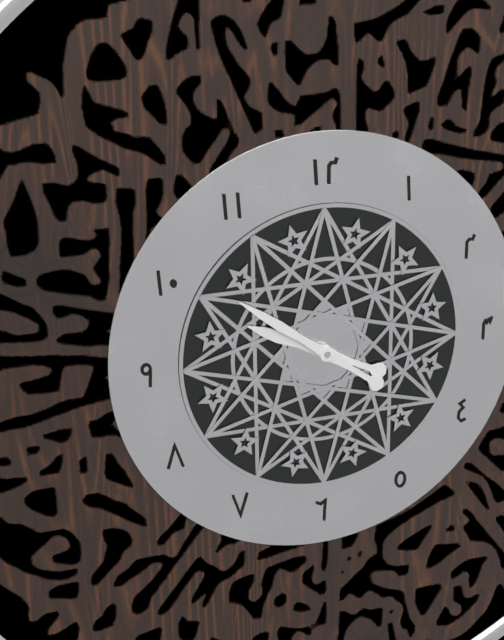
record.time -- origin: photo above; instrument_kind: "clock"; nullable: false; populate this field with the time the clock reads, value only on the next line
9:51
